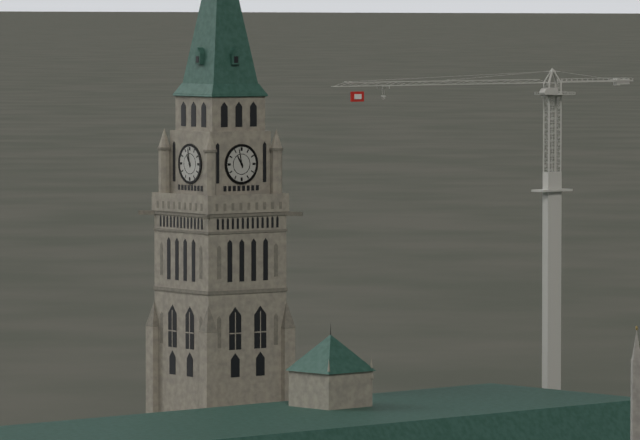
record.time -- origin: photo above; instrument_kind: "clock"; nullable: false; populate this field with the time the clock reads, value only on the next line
10:58
